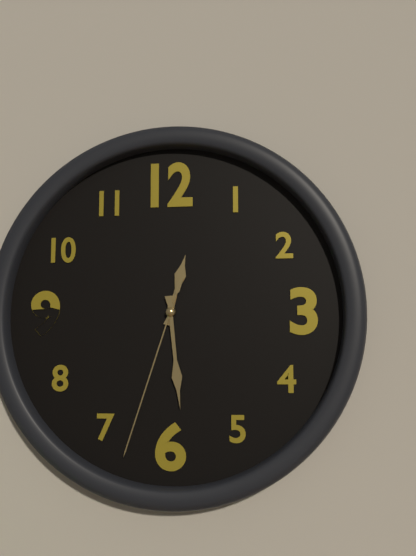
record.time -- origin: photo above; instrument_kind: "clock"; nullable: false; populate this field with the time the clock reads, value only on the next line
12:29:33
